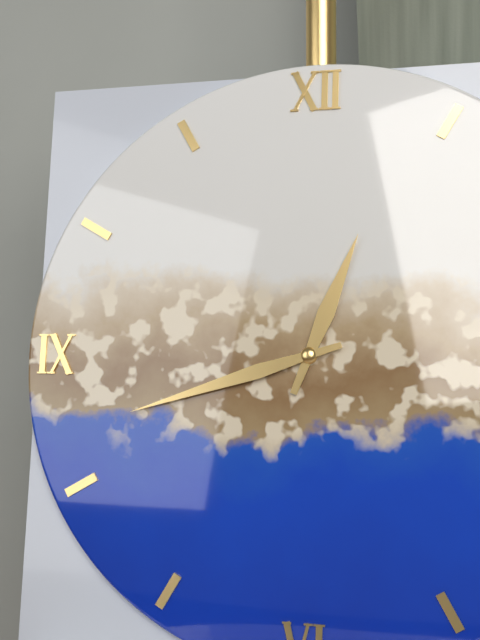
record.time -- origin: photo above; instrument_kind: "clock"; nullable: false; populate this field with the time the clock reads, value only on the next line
12:42
